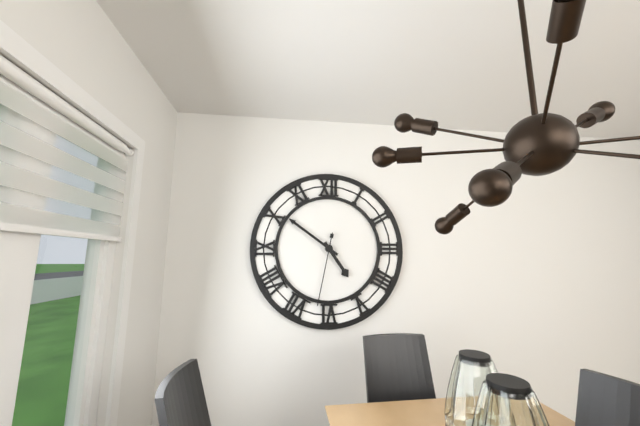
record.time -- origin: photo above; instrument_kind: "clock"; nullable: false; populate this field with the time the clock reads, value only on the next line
4:51:32
